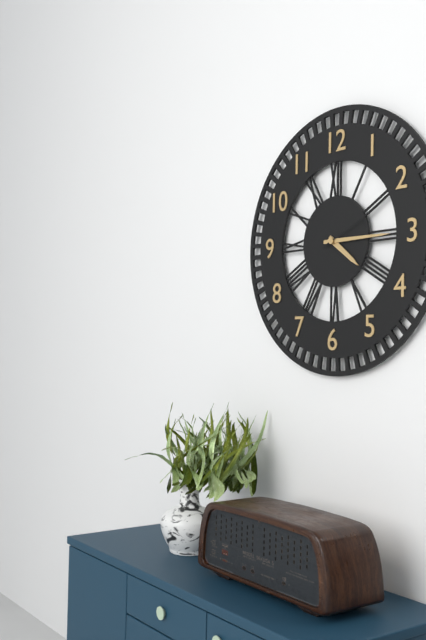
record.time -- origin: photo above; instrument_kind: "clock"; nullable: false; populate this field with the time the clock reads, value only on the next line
4:15:11
